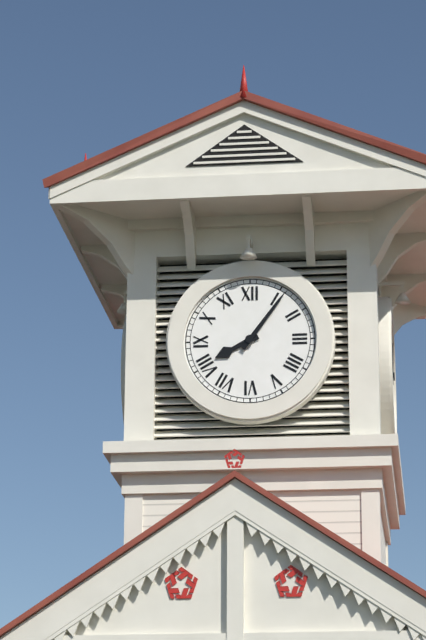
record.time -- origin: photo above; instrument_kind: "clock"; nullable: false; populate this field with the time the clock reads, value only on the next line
8:06
